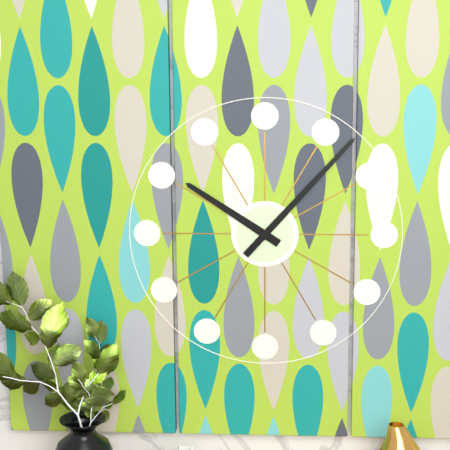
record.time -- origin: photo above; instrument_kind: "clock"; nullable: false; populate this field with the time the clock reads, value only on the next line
10:07
